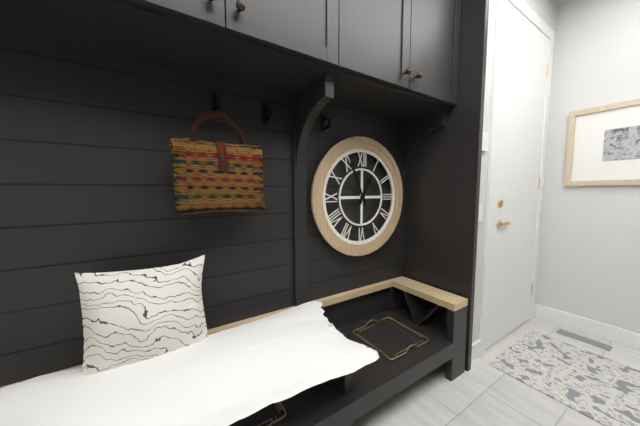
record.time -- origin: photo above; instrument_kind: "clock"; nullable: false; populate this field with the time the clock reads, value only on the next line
12:56
